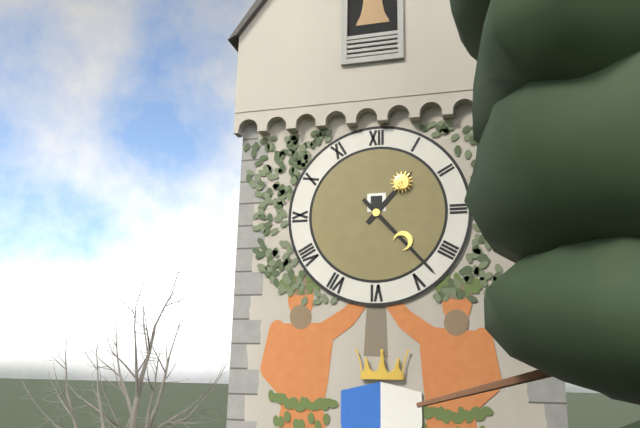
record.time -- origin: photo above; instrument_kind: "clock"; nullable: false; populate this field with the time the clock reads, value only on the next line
1:23
